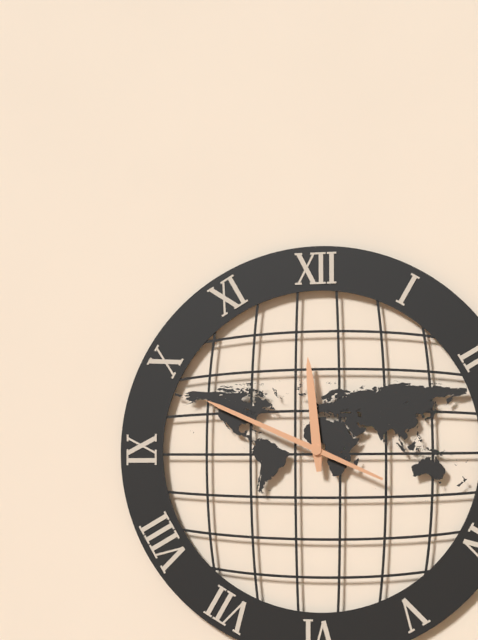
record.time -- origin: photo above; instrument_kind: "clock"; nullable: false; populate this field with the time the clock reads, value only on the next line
11:49
